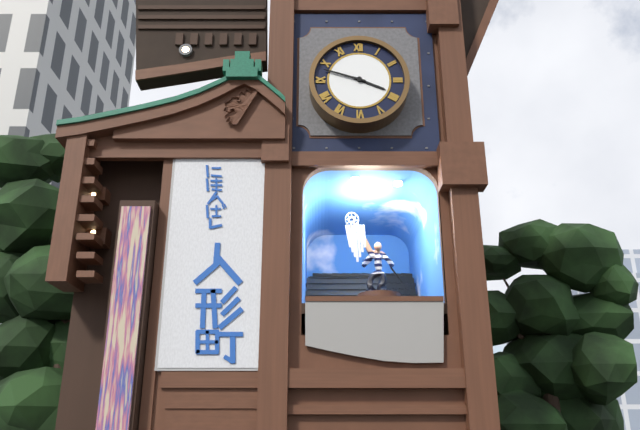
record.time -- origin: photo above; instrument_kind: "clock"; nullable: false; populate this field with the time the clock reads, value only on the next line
3:48
